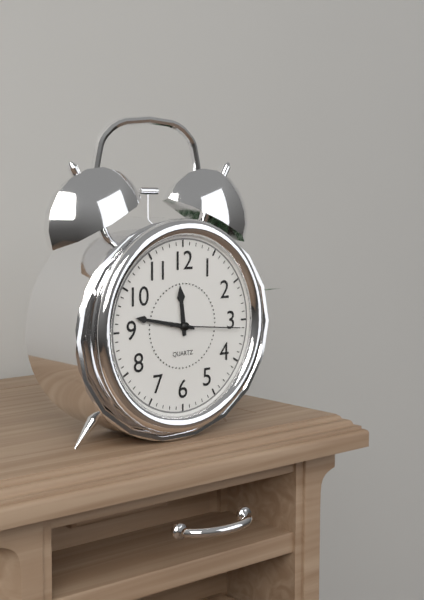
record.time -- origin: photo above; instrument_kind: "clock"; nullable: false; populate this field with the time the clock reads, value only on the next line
11:47:16
